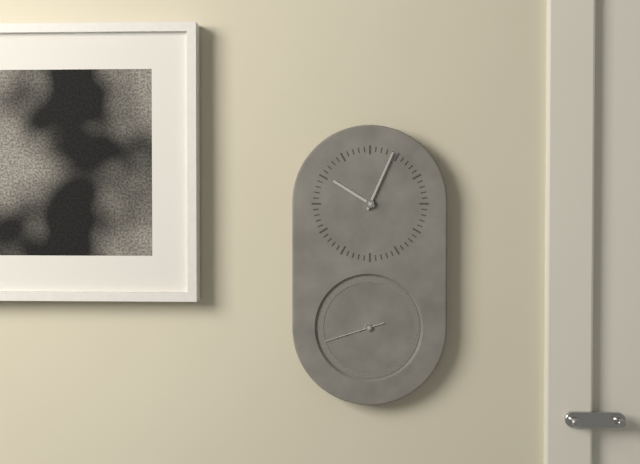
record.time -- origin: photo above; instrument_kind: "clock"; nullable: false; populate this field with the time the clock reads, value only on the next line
10:04:42
